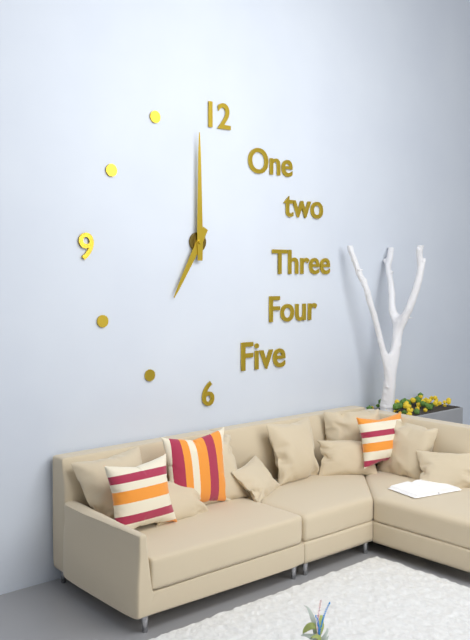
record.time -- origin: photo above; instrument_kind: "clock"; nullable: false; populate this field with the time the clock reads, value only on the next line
7:00
